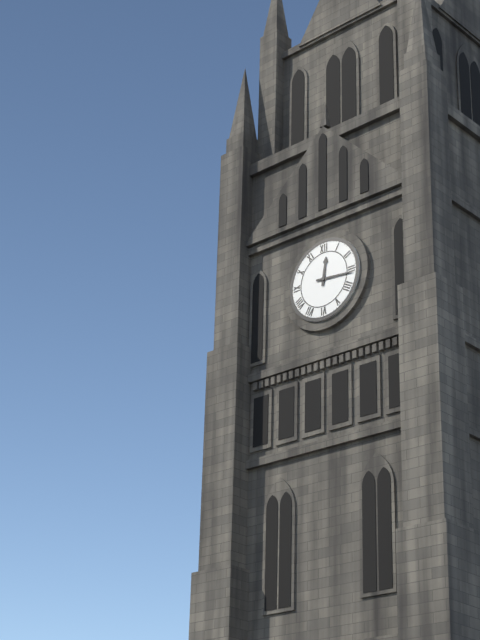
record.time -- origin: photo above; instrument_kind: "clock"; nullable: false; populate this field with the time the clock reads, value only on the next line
12:16
